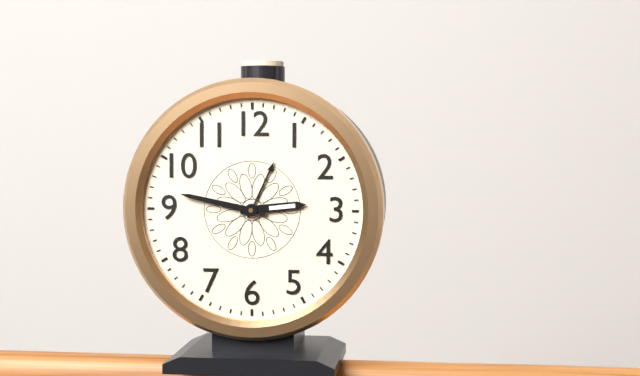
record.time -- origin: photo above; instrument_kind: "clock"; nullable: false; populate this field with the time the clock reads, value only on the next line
2:47
